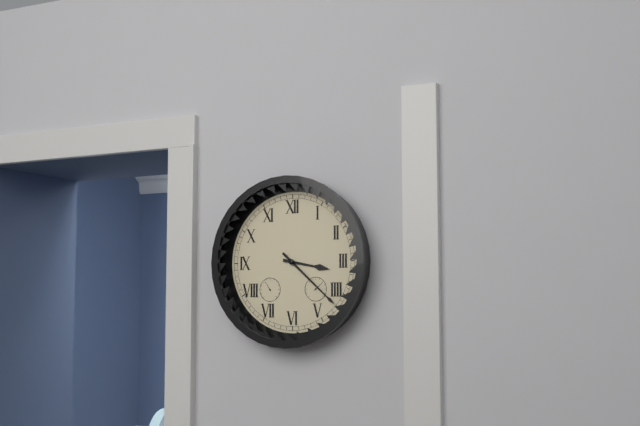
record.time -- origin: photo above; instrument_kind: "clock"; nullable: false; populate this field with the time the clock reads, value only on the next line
3:22
